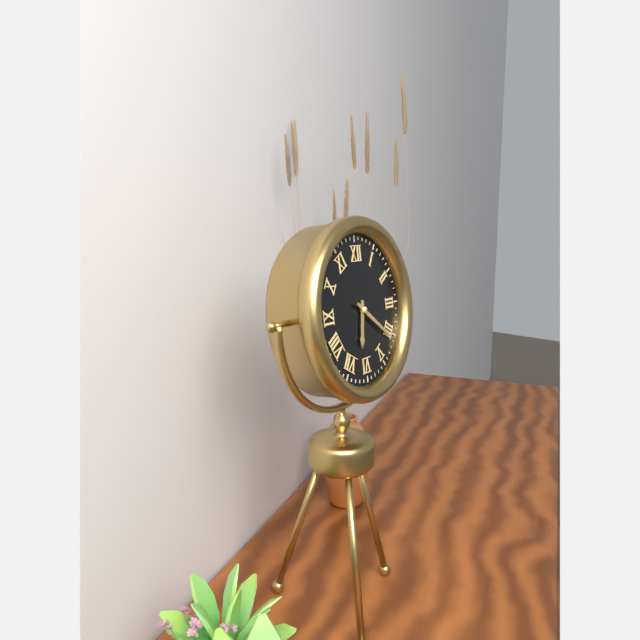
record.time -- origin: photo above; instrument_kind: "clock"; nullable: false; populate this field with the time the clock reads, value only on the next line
6:21
